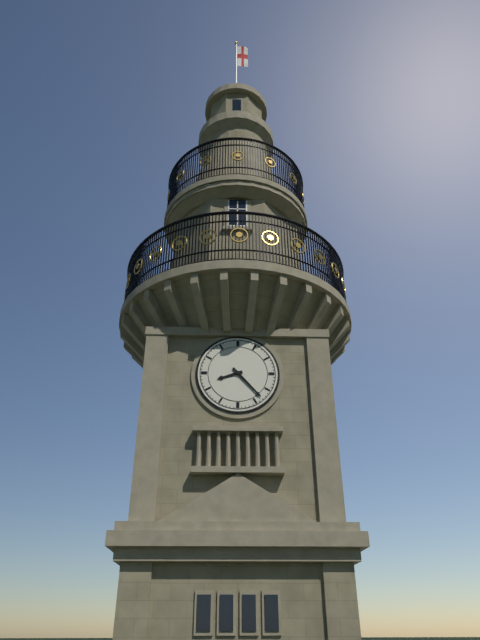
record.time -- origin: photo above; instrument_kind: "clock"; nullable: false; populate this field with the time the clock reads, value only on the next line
8:23
